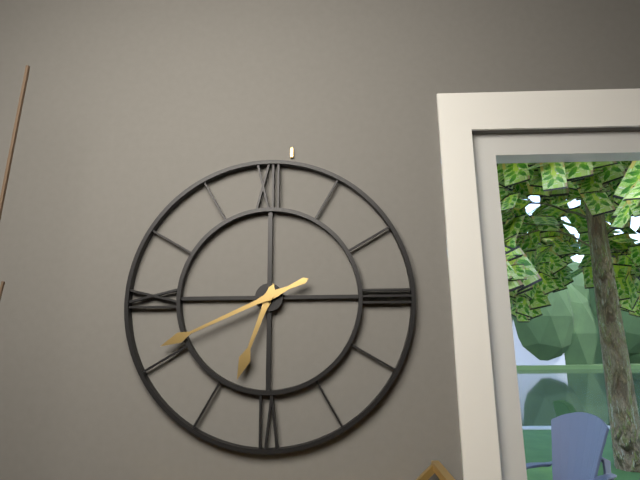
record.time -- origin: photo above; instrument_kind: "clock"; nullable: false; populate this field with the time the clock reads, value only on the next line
6:41
